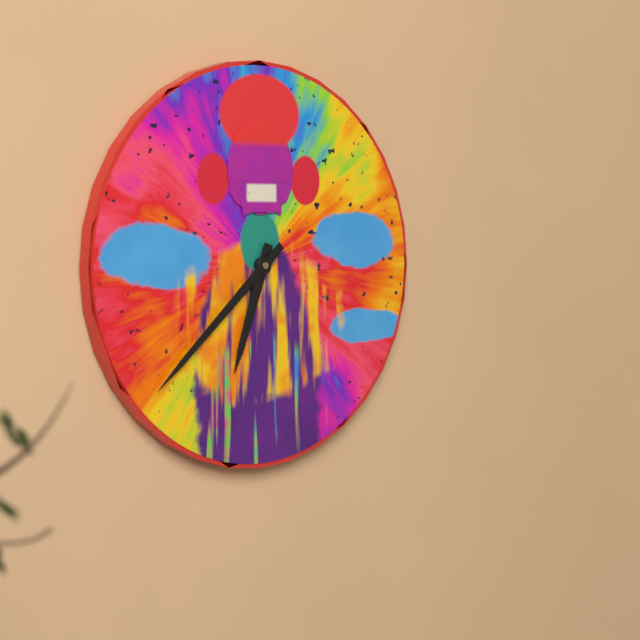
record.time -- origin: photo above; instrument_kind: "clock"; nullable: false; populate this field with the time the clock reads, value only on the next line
6:38
